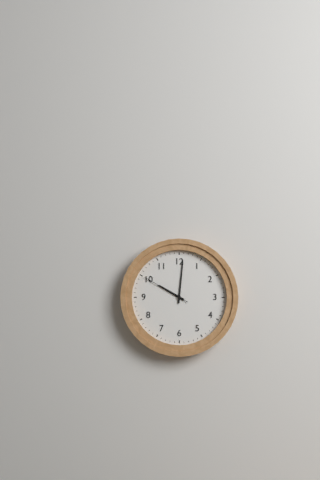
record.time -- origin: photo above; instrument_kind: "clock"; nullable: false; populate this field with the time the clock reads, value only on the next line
10:01:50
